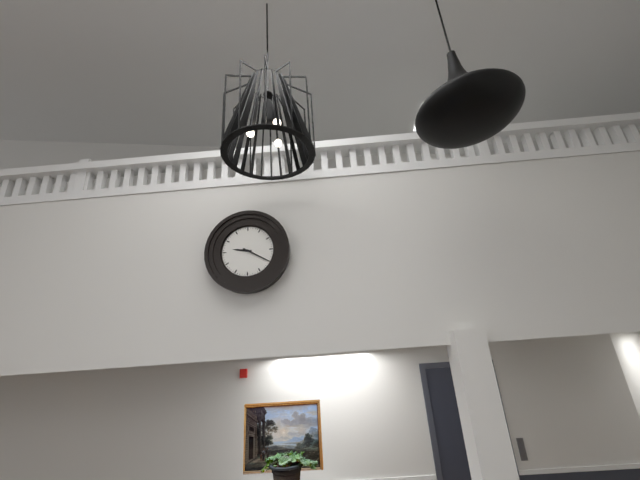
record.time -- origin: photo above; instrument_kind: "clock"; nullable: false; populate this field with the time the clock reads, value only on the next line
9:20
